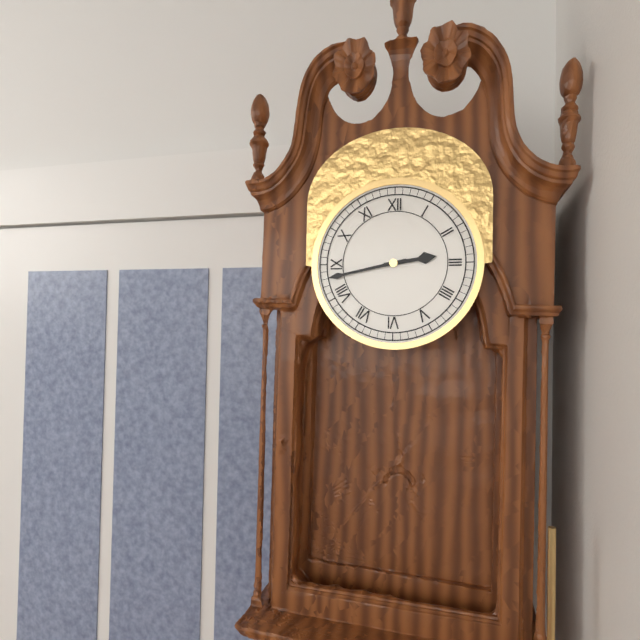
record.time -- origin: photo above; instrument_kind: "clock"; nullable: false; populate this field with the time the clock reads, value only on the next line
2:43
